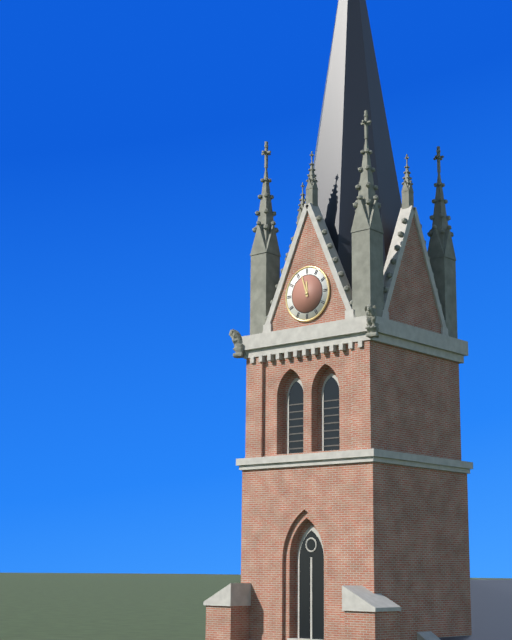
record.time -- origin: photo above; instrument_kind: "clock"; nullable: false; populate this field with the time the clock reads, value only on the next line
11:57
